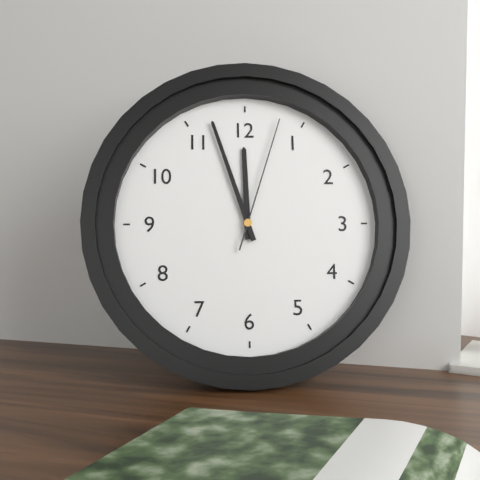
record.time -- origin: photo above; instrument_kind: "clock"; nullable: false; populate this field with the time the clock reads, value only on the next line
11:57:03
